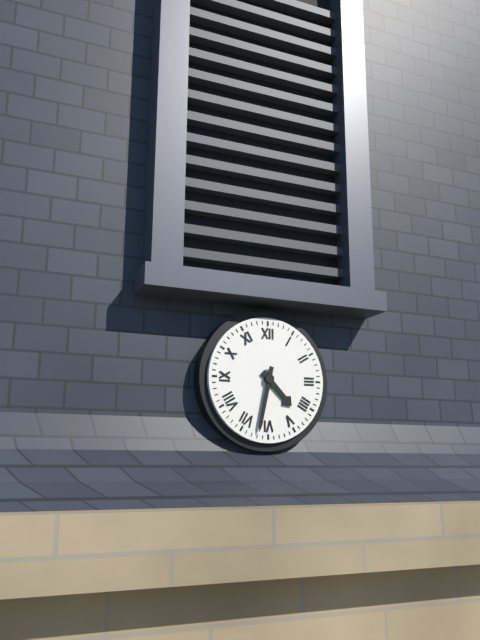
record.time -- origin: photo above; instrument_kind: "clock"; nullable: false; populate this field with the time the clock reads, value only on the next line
4:32
